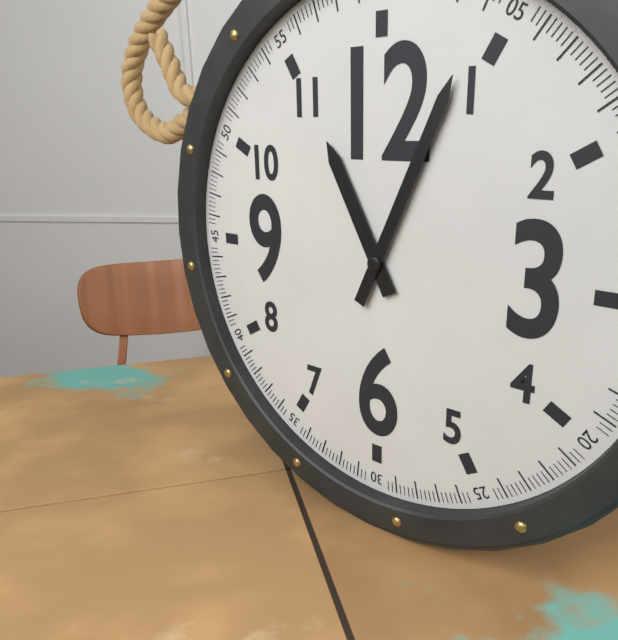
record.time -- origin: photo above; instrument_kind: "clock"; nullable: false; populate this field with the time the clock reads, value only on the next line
11:04
